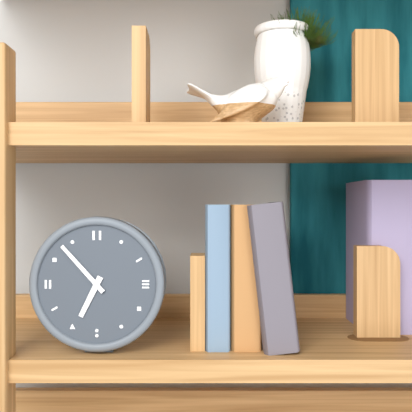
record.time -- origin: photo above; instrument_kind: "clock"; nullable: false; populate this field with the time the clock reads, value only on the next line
6:53
